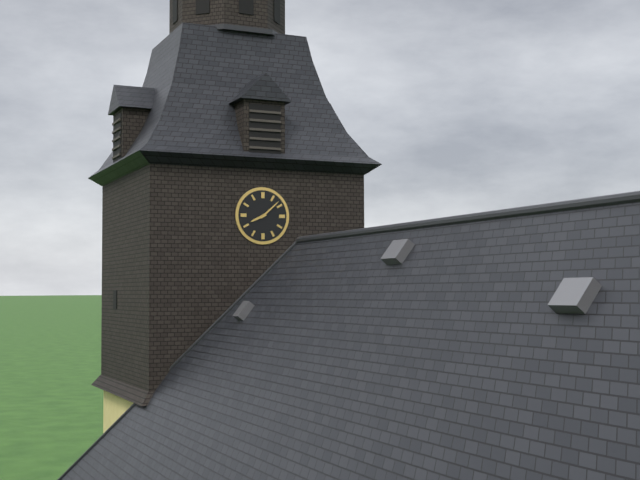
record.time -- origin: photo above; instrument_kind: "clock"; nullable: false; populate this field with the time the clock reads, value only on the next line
8:08
